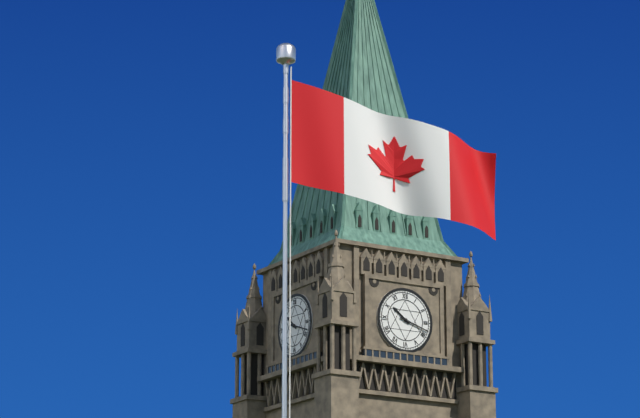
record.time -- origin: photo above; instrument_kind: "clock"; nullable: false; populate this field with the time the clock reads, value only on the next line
10:18
